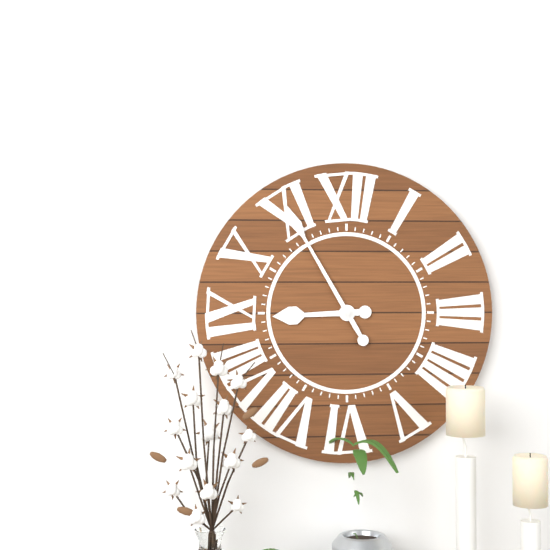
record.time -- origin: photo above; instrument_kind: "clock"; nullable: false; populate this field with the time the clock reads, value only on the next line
8:55
